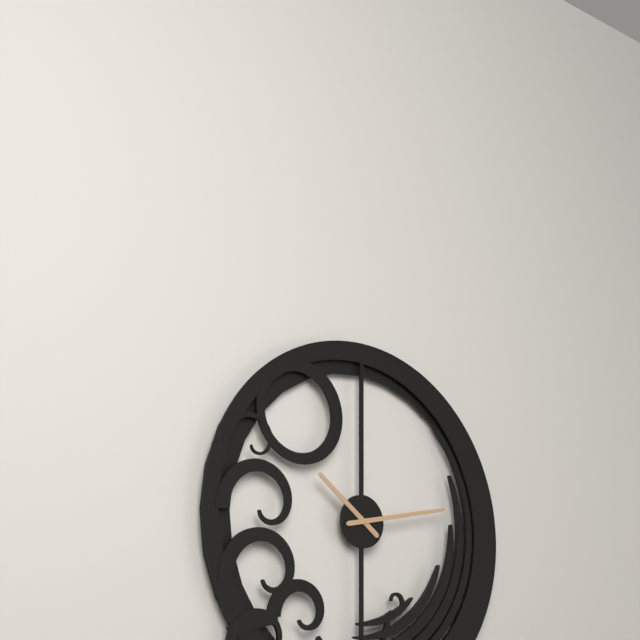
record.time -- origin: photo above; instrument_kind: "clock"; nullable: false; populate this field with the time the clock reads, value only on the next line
10:13
